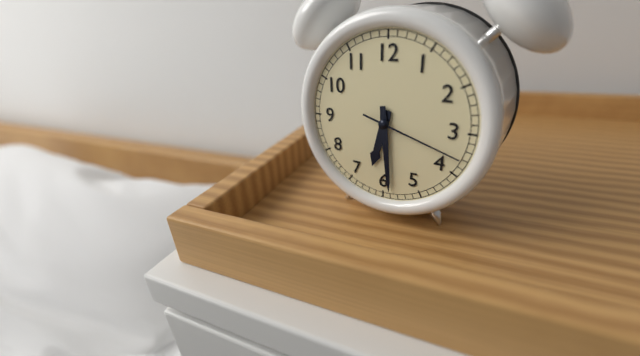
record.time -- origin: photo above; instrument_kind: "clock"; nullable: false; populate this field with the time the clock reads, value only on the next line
6:29:18
